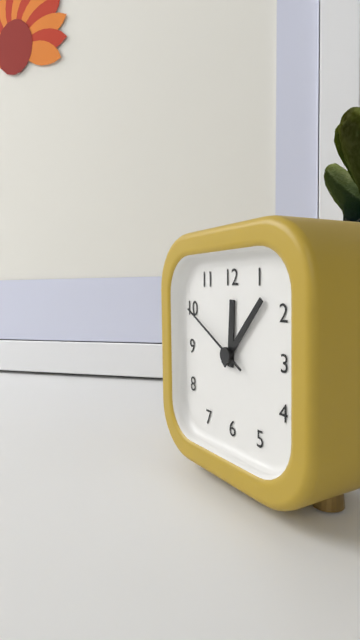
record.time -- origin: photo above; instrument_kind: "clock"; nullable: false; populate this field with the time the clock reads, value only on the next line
12:07:50
